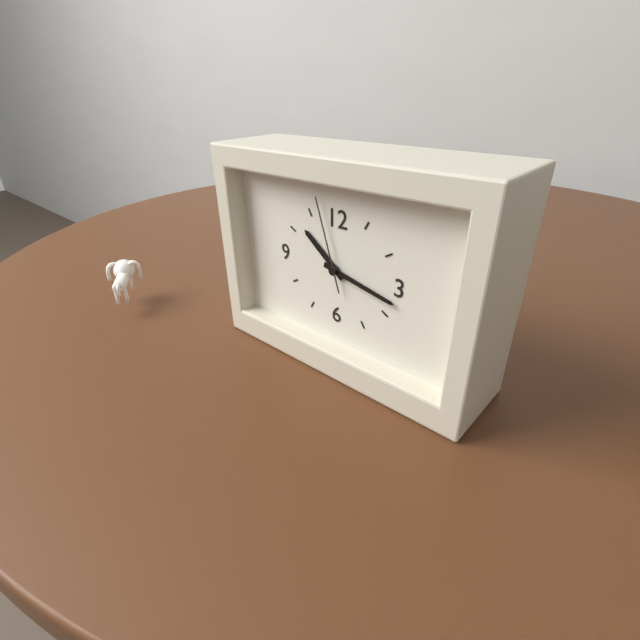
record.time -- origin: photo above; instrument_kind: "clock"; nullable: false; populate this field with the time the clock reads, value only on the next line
10:17:57
